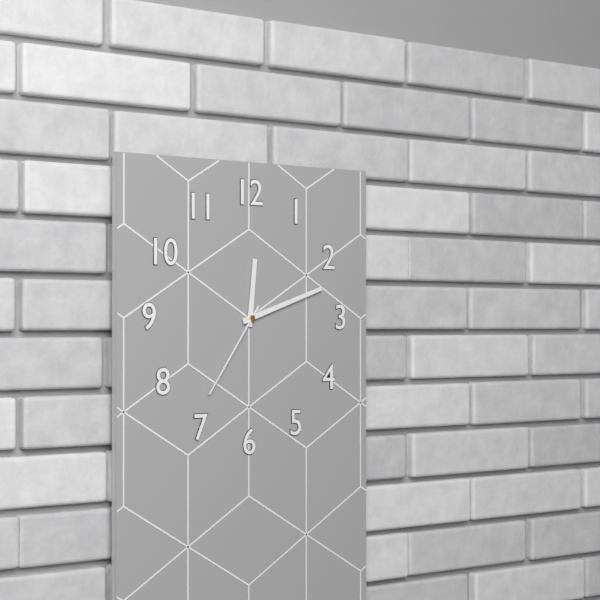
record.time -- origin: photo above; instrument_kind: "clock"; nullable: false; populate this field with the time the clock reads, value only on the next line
12:12:36
